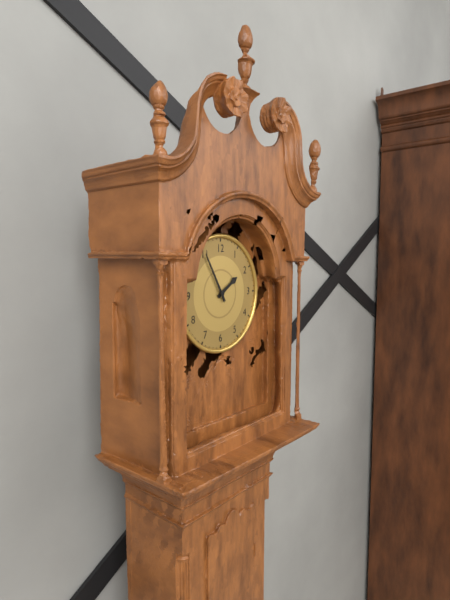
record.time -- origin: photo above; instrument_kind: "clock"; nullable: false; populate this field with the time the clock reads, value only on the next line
1:55
